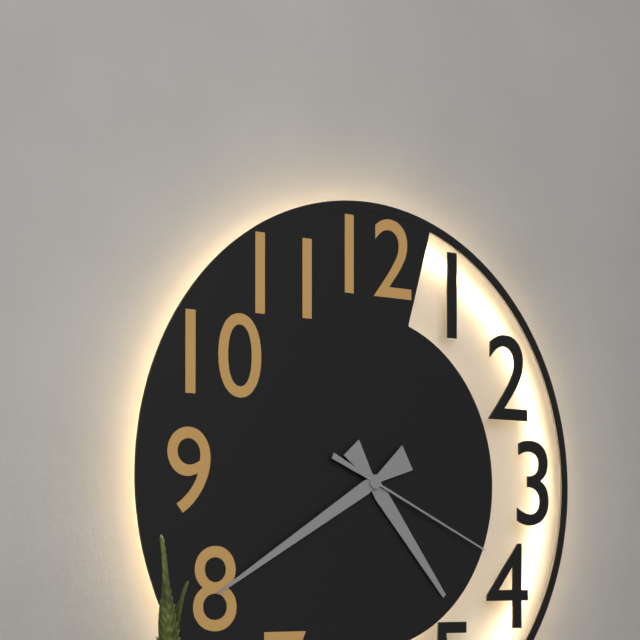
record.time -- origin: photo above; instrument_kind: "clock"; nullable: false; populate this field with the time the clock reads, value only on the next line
4:40:19
